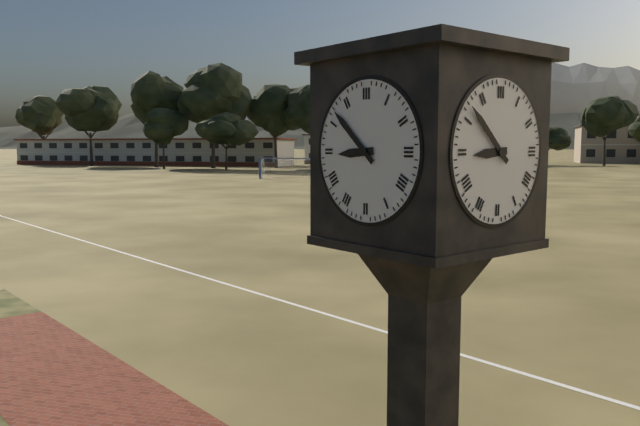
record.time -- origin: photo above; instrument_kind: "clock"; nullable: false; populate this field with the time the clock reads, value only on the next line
8:52
